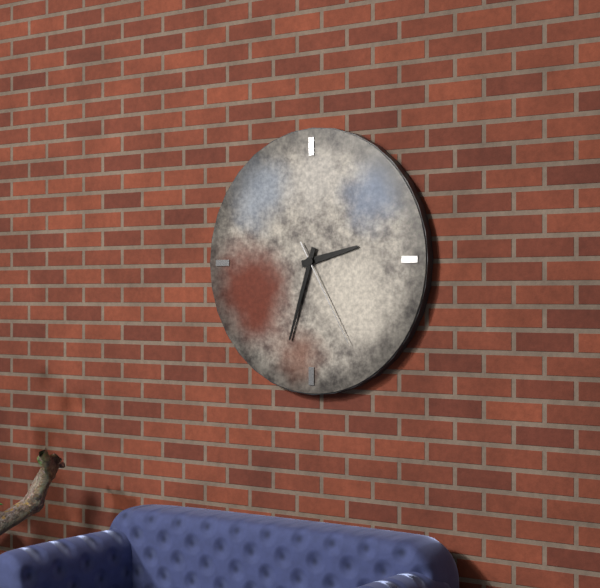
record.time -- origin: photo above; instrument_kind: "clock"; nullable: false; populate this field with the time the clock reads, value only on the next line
2:33:25
